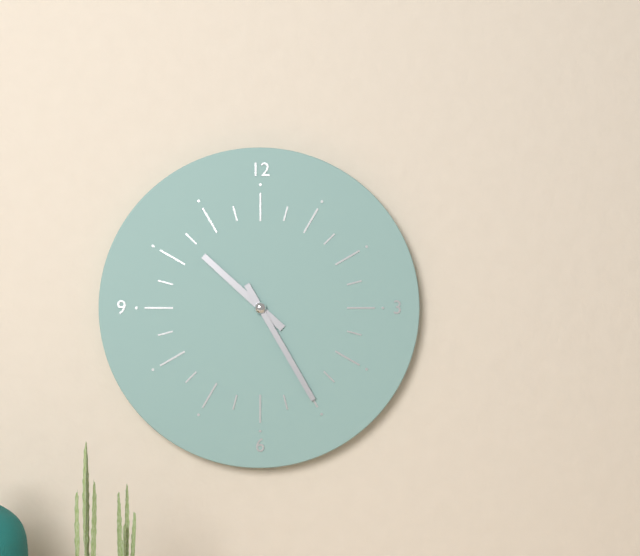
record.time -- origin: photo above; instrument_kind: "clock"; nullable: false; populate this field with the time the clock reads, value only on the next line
10:25
